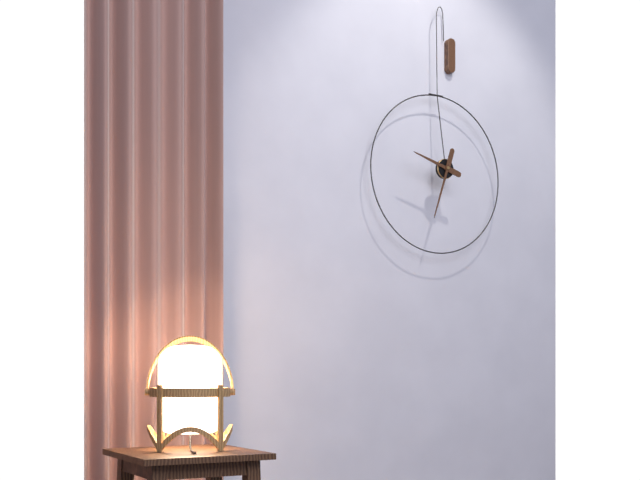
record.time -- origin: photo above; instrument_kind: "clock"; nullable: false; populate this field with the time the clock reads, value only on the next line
9:33
